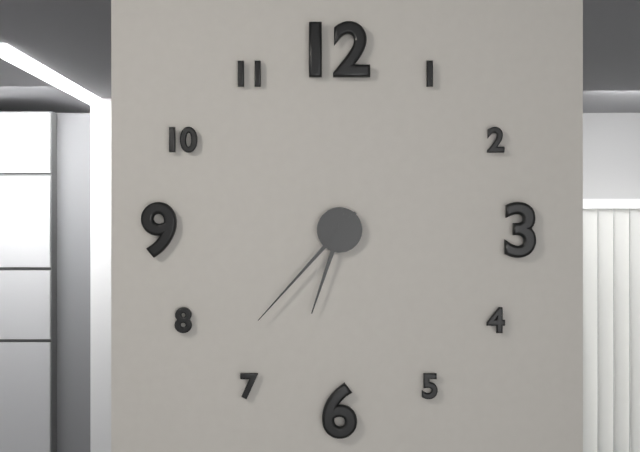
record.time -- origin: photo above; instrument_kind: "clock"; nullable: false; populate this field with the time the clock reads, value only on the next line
6:37
